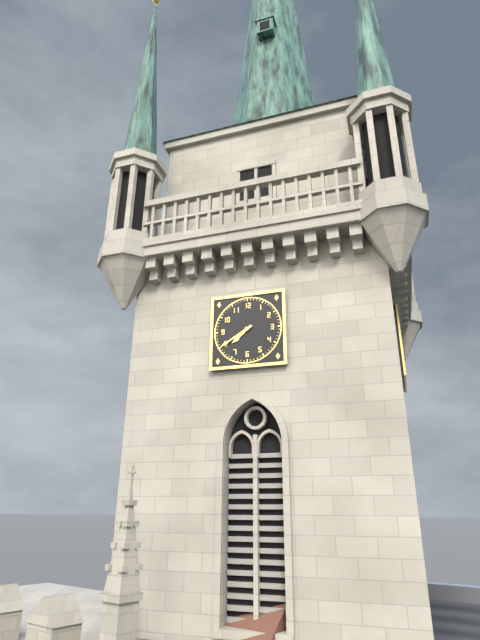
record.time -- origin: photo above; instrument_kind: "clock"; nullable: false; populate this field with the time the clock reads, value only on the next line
7:40
